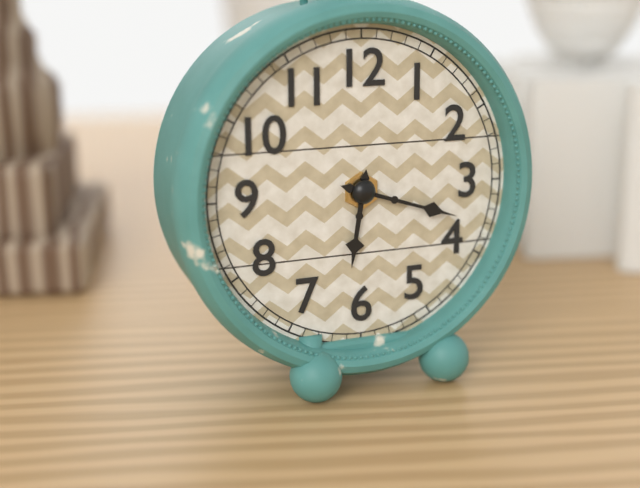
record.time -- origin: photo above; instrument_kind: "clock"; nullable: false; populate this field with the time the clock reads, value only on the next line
6:18
